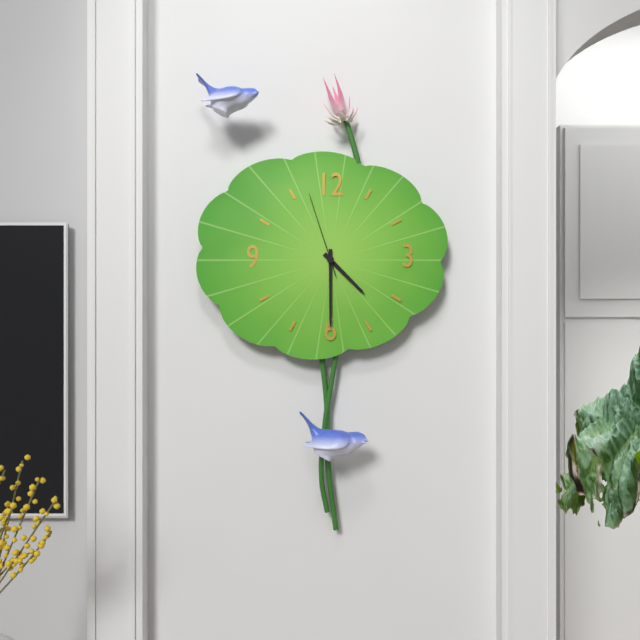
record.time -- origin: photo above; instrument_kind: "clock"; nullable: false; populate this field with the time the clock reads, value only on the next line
4:30:57
